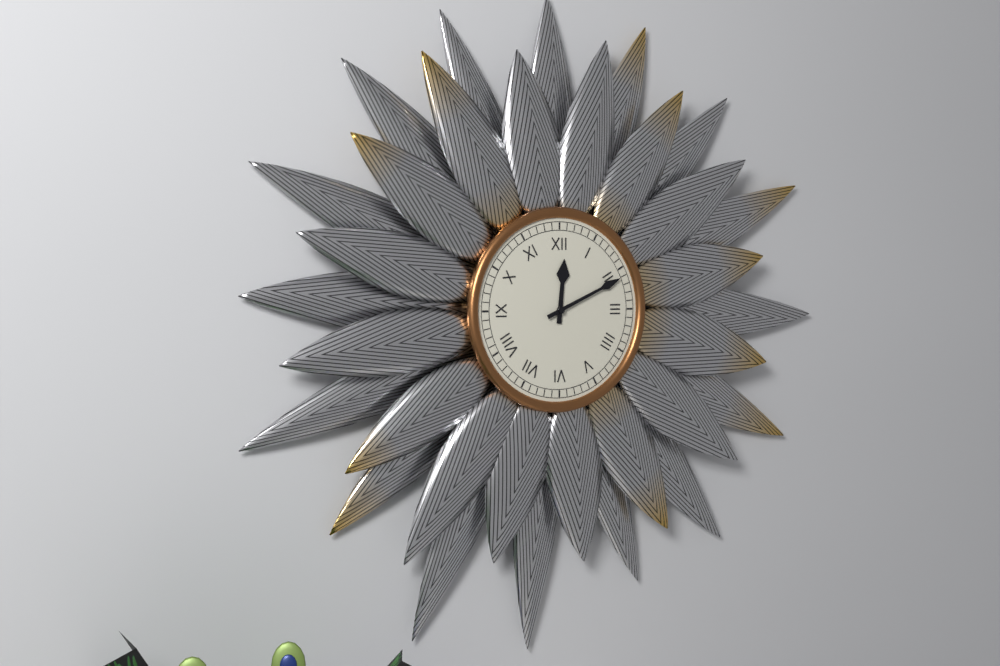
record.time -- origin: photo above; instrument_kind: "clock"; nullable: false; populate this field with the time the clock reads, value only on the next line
12:11
